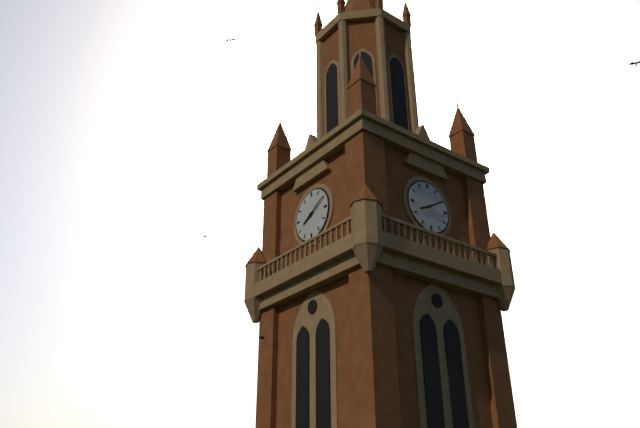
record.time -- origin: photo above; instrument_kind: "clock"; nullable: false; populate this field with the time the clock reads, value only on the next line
8:10
